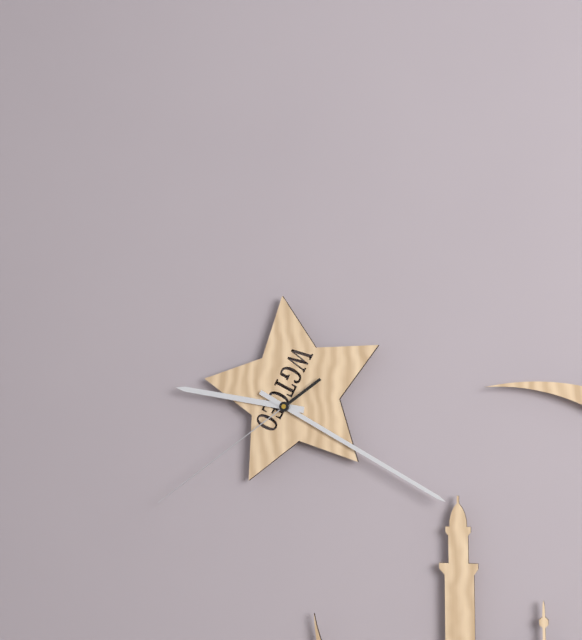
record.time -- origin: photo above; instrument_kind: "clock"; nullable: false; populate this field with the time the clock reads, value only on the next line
9:20:39
